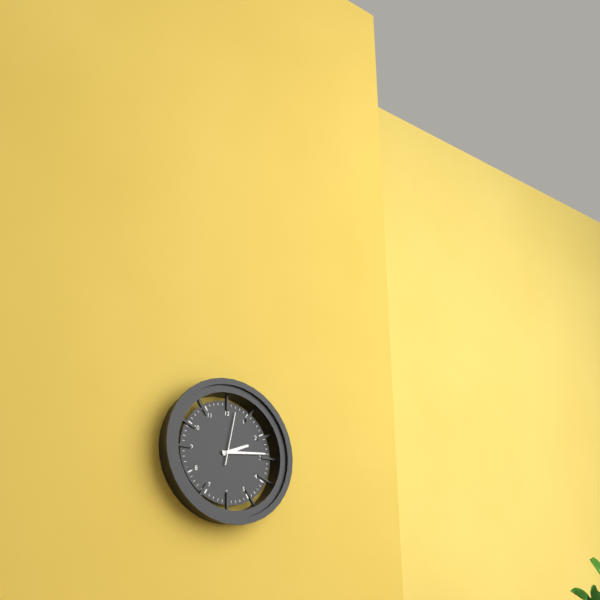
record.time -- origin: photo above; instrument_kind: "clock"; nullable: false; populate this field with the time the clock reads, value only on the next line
2:14:02
